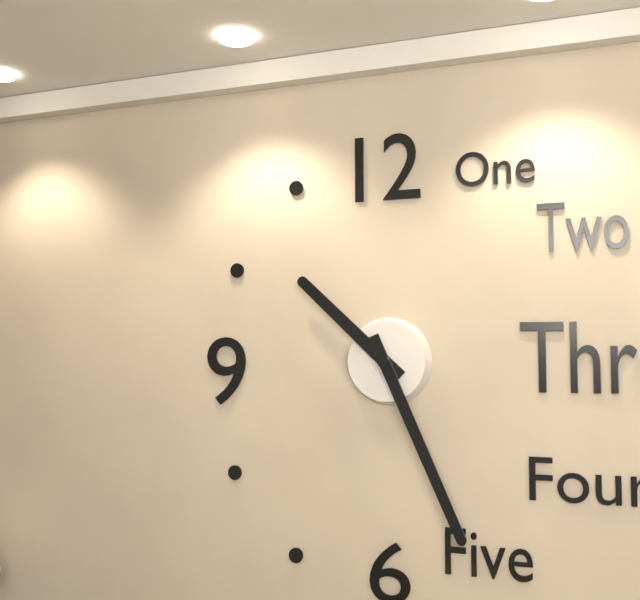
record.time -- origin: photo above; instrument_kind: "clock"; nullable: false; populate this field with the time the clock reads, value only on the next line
10:26
